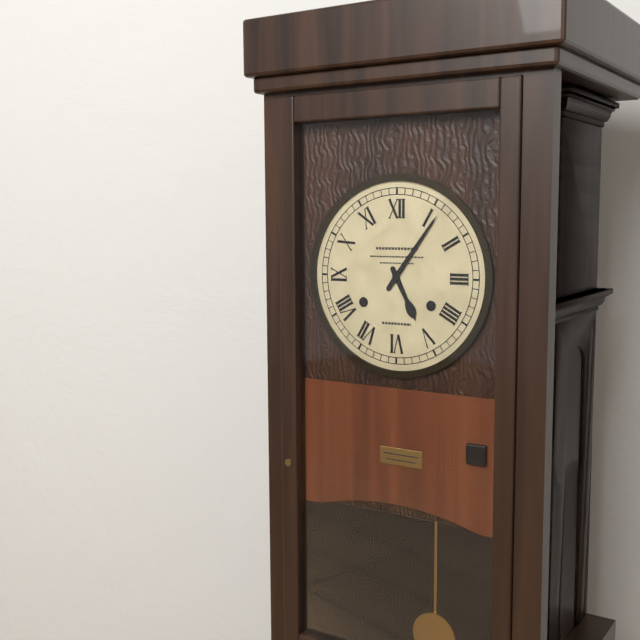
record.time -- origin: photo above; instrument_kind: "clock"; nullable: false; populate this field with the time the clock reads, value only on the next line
5:06
